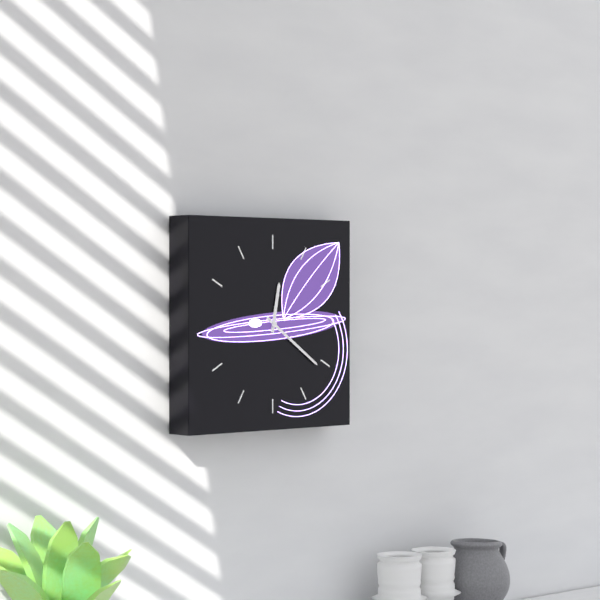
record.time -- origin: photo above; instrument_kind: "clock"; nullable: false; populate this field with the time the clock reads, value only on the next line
12:21
